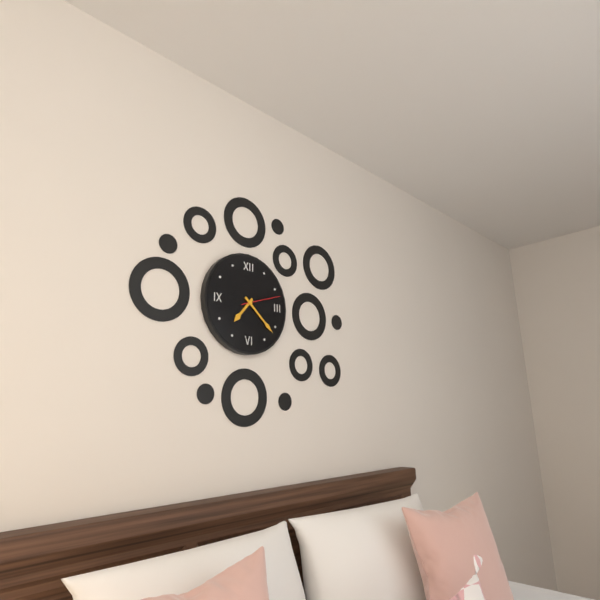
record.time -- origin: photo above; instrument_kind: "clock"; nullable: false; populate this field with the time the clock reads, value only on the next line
7:22
